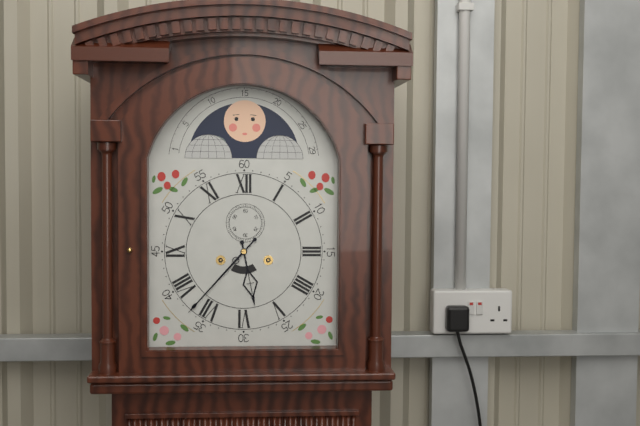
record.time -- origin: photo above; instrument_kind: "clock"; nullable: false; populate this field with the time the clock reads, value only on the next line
5:37
